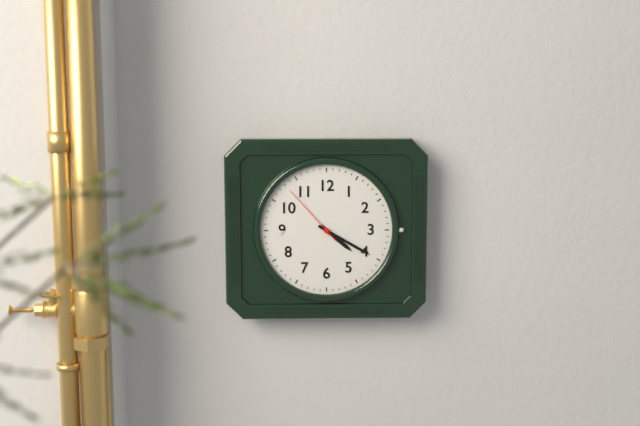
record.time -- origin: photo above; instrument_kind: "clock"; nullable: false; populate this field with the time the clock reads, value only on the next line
4:20:53
